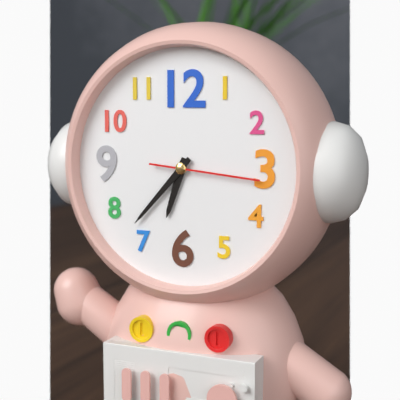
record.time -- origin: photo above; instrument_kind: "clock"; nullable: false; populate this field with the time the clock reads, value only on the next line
6:37:16
